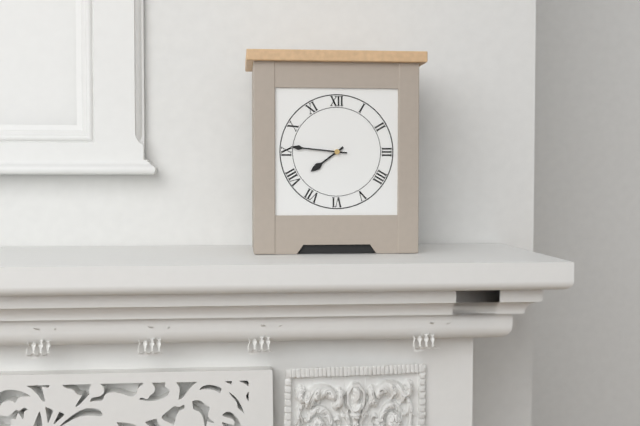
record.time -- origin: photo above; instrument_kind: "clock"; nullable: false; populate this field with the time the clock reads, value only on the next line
7:46
